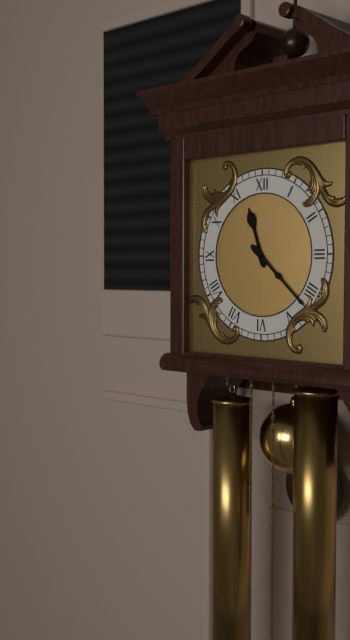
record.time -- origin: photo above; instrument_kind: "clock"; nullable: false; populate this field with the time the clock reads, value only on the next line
11:22
